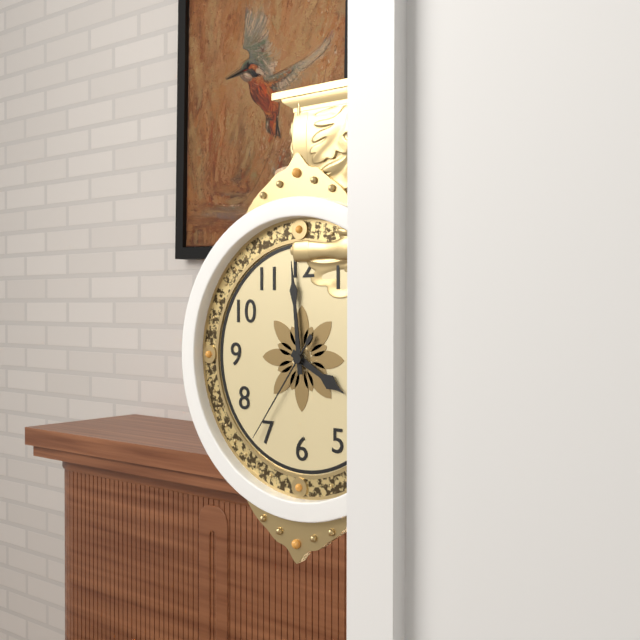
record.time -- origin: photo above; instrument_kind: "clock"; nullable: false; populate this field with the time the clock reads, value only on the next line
3:59:36
